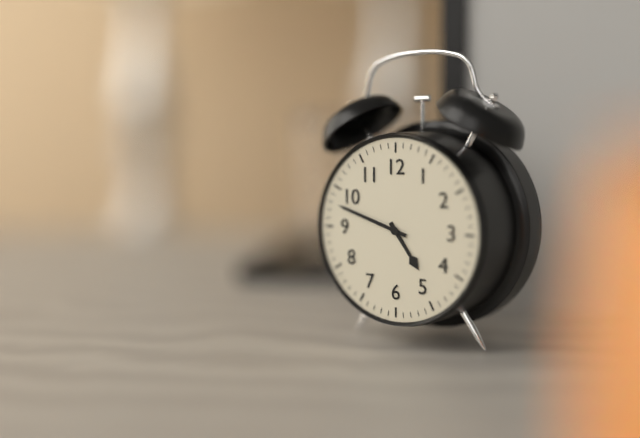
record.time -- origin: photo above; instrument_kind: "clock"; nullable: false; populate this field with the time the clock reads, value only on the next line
4:48
